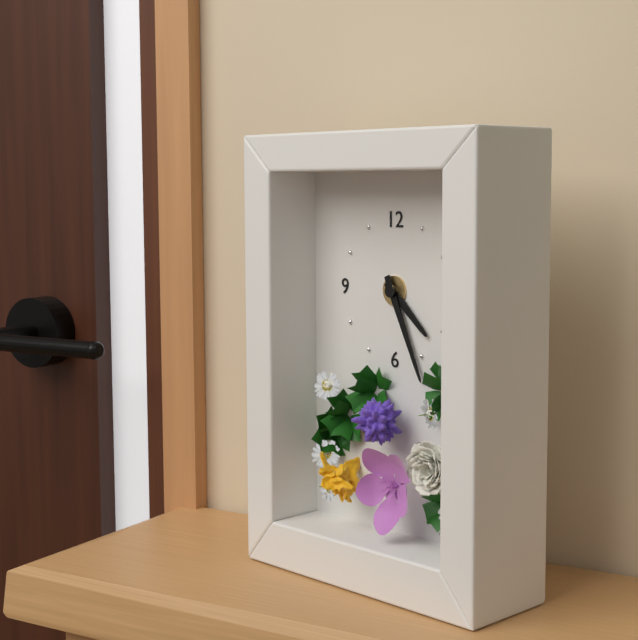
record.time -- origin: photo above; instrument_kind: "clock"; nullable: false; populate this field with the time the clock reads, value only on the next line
4:26
